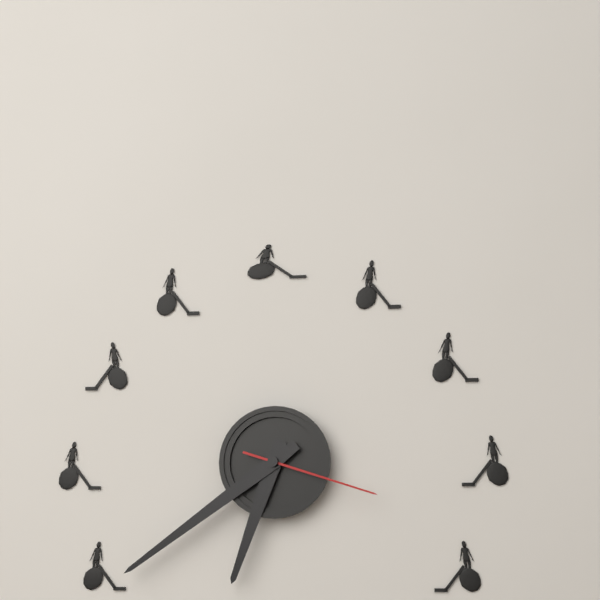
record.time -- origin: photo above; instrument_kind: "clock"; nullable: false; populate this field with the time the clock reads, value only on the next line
6:39:18
